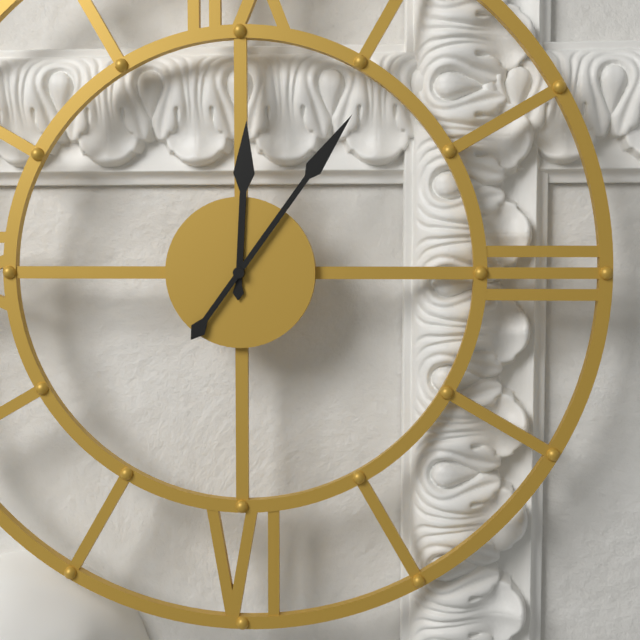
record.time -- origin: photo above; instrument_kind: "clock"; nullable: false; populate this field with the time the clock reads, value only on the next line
12:06
